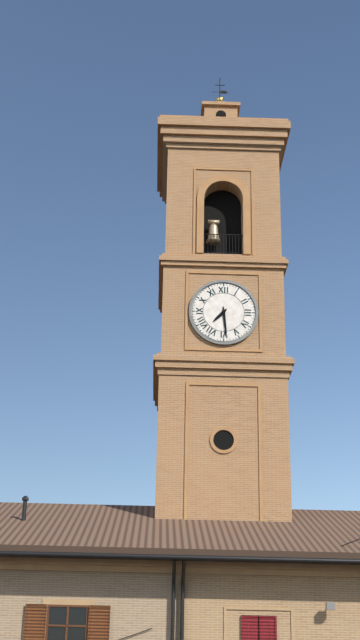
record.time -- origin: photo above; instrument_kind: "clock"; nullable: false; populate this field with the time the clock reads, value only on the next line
7:29
